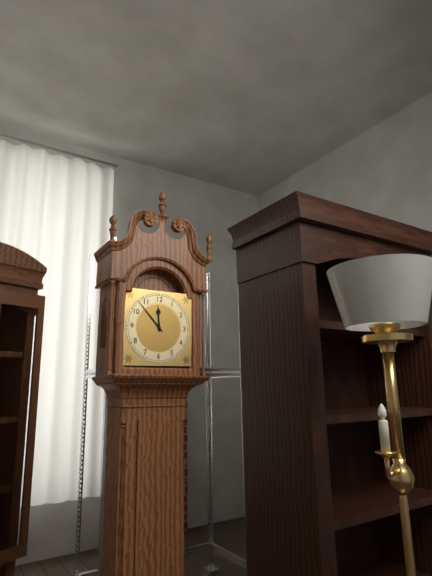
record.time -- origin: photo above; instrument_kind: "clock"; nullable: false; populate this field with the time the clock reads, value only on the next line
11:53
